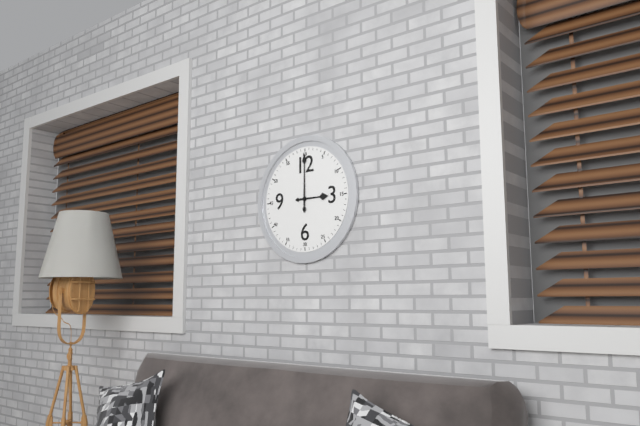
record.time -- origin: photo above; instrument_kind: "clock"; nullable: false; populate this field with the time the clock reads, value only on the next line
3:00
